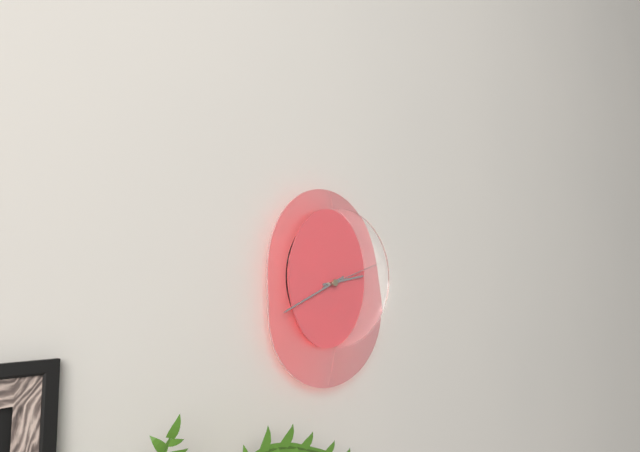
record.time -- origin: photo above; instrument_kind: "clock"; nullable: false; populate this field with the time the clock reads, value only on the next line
2:41:12
